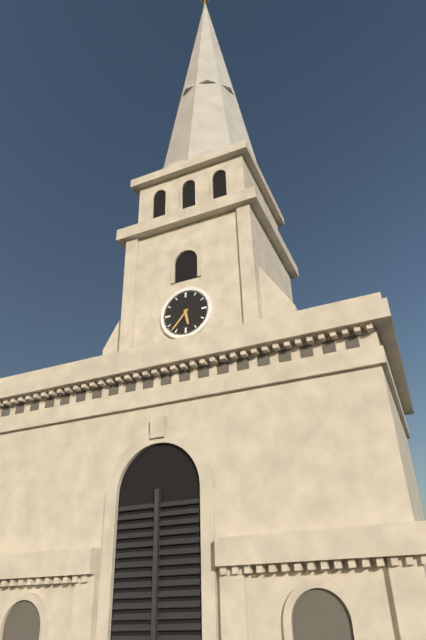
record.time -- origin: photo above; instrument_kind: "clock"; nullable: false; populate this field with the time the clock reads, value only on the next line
5:37
